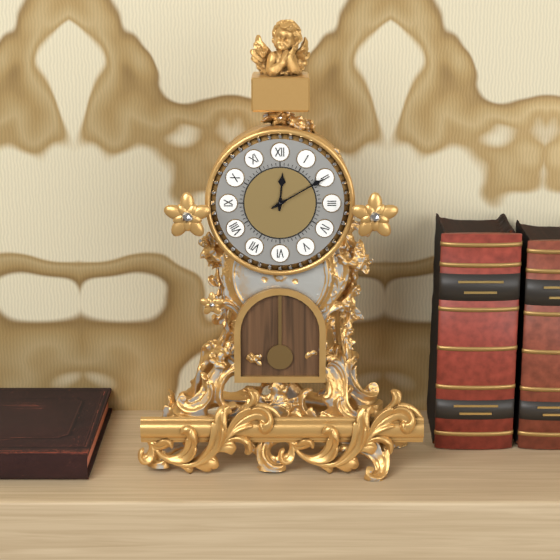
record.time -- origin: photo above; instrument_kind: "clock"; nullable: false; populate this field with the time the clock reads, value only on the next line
12:10
